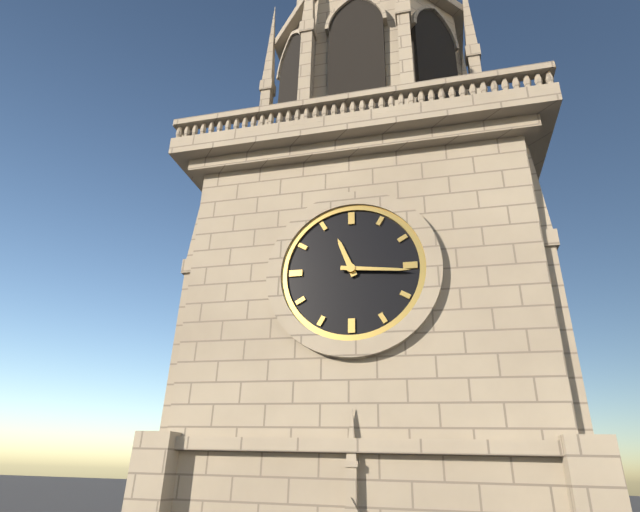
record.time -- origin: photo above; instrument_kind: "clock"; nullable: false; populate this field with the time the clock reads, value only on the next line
11:16
